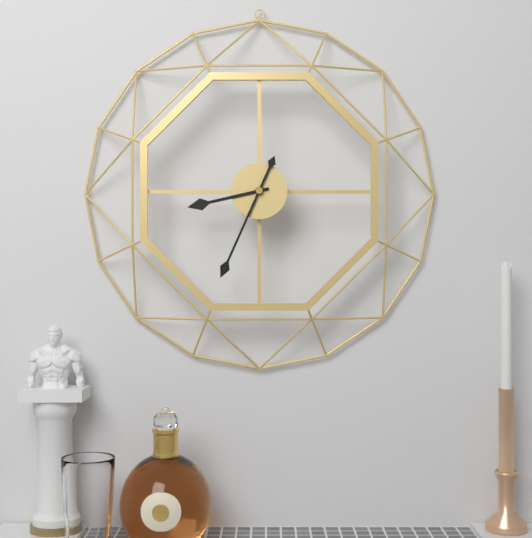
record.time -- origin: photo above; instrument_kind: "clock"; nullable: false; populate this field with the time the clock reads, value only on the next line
8:34
